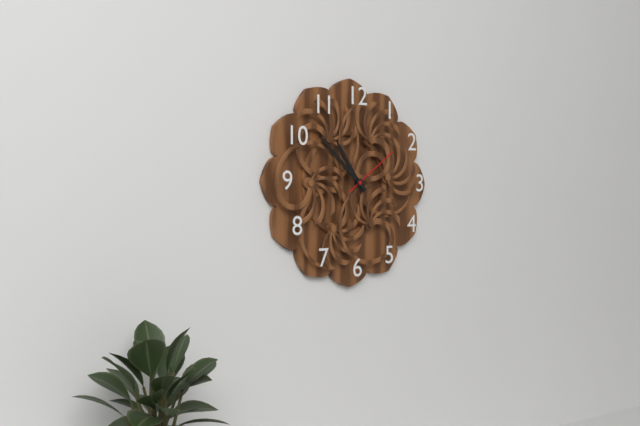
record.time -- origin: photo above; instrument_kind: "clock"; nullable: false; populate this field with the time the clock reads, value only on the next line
10:52:09
